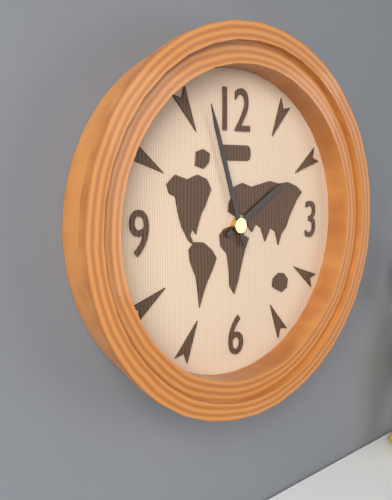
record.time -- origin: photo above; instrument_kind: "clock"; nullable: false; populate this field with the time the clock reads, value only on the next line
1:57
